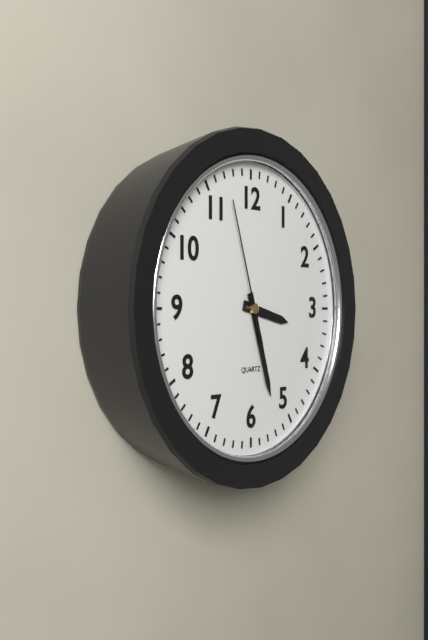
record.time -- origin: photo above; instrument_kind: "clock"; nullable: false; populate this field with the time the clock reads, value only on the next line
3:27:57
